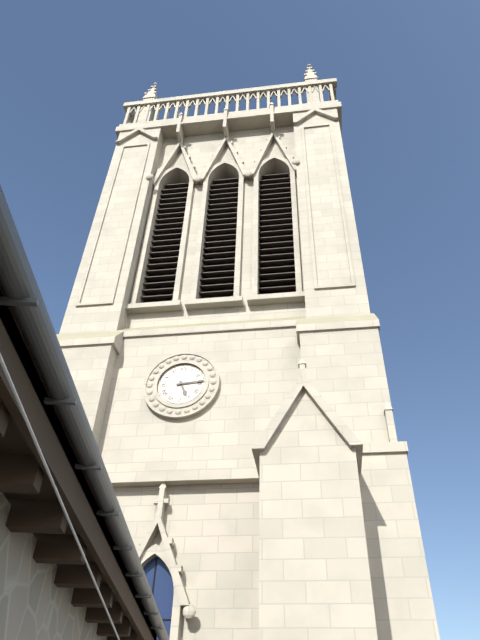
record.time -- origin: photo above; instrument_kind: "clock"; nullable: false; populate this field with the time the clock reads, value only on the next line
5:14
